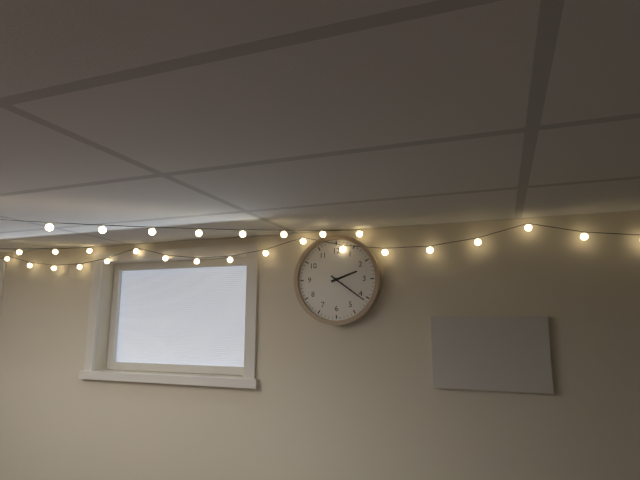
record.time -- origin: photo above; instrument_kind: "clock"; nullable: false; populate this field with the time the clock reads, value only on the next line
2:21
